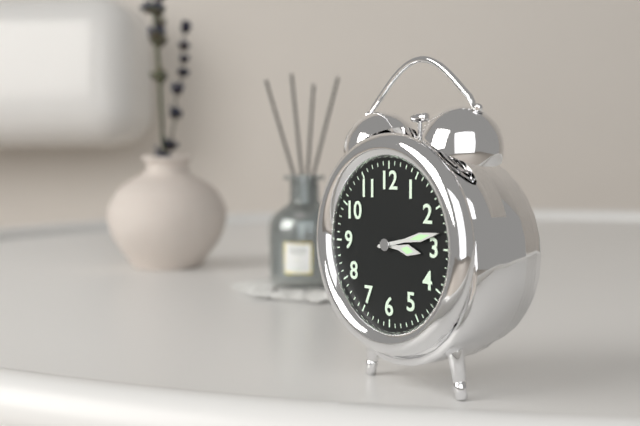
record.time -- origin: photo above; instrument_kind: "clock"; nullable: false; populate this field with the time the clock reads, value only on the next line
3:13
